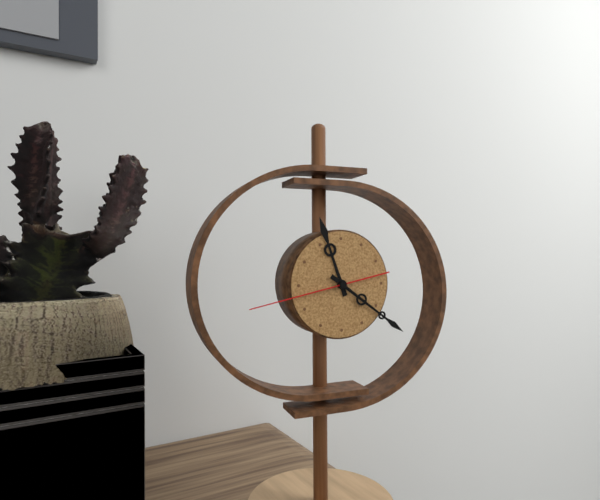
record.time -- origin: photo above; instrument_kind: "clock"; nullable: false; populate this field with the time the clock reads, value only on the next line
11:21:43
